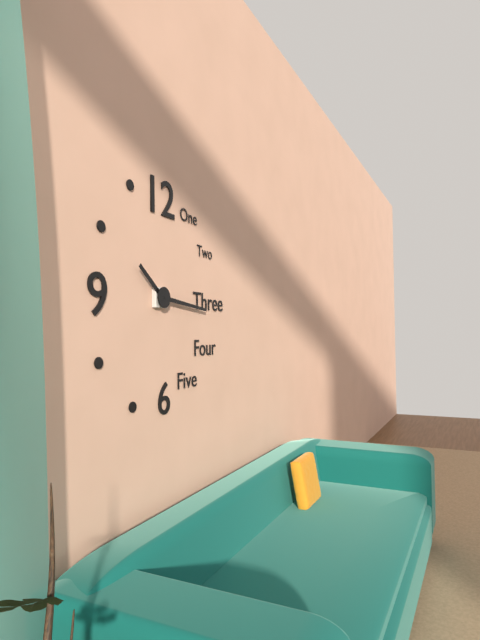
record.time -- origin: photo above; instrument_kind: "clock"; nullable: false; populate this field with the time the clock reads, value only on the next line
10:16
